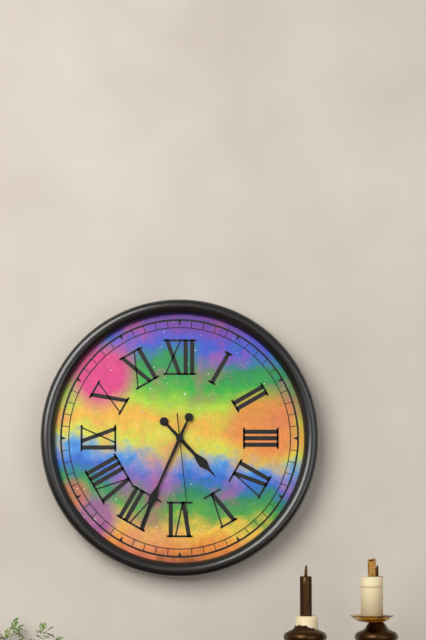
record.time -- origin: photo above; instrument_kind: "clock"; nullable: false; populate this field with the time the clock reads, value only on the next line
4:34:29
